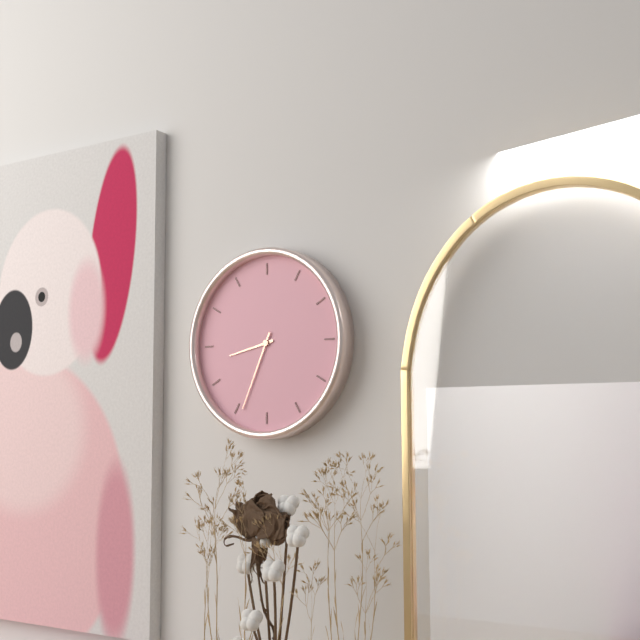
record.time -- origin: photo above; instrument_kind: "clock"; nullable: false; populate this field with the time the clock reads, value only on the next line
8:34
